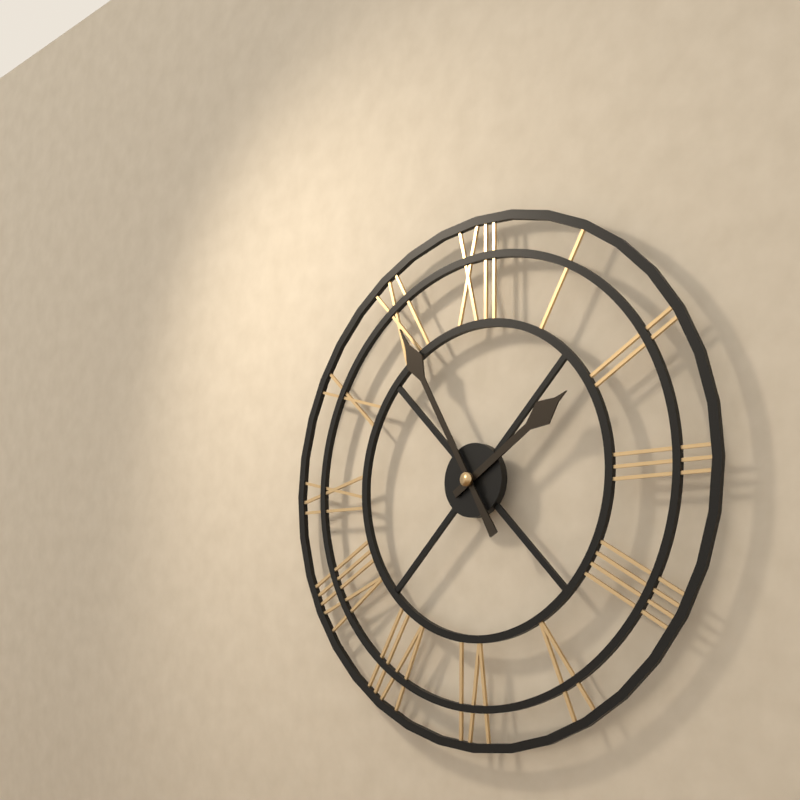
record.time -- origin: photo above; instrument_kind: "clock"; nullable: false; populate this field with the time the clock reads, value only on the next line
1:55
